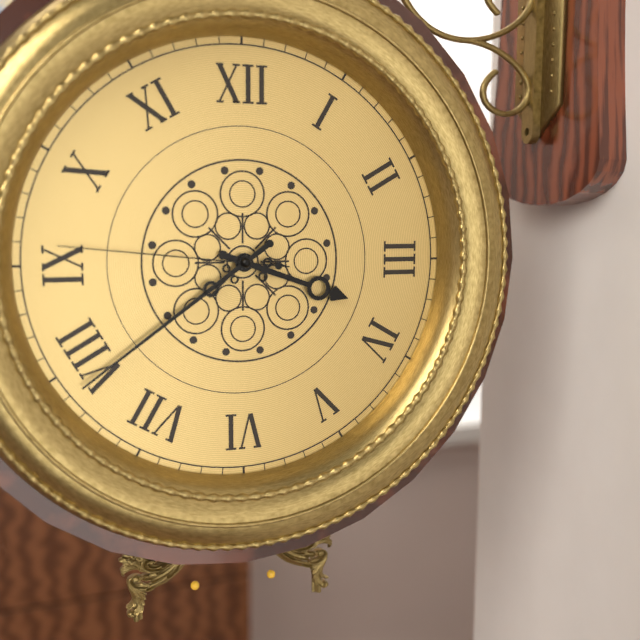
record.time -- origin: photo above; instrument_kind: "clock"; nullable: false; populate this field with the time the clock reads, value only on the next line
3:39:46
